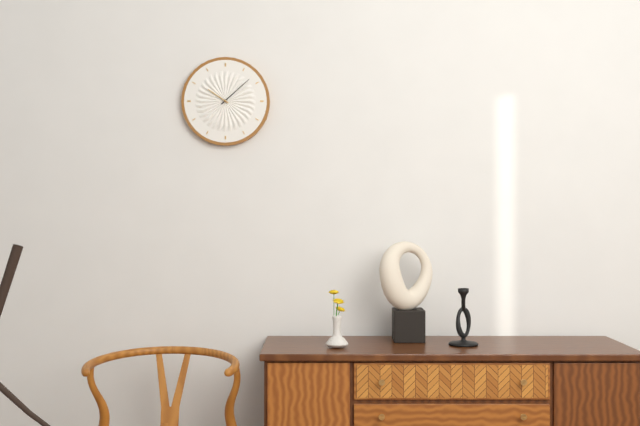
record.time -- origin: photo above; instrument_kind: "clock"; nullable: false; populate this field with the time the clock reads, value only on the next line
10:08
